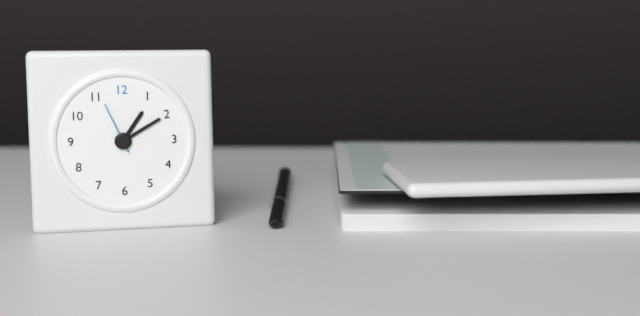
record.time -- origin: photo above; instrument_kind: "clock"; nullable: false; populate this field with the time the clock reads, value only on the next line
1:10:56
